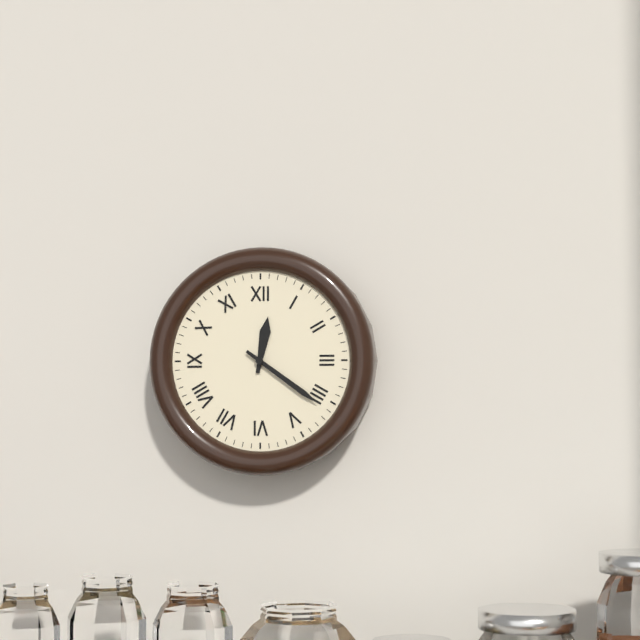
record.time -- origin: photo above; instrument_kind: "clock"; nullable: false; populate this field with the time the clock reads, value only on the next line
12:21
